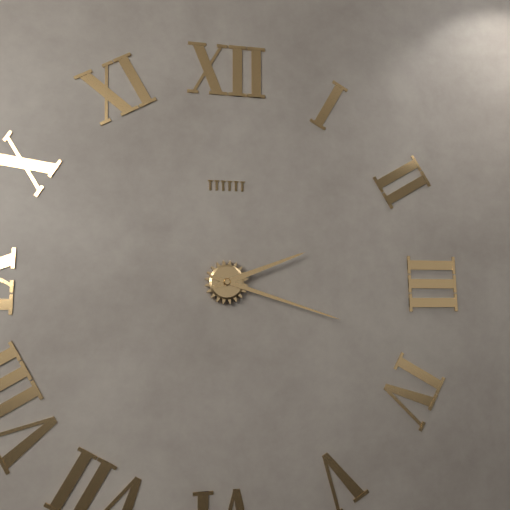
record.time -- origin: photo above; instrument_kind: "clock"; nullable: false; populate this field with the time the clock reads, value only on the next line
2:18
